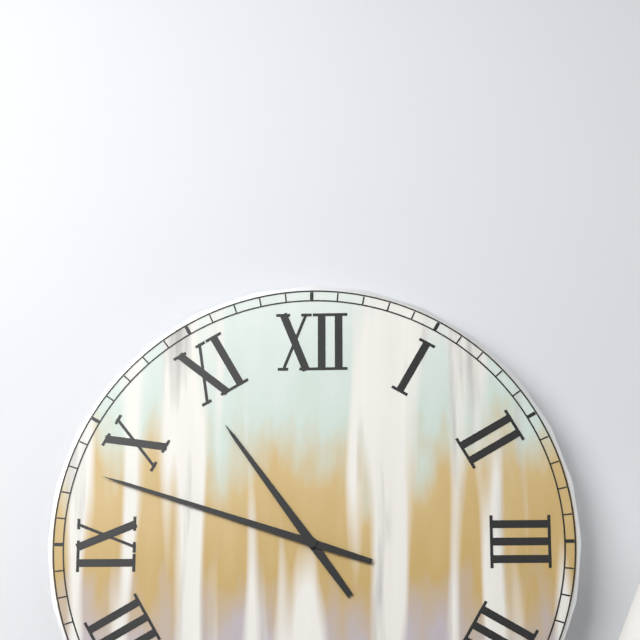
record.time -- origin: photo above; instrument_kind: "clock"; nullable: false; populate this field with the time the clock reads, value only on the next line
10:48
